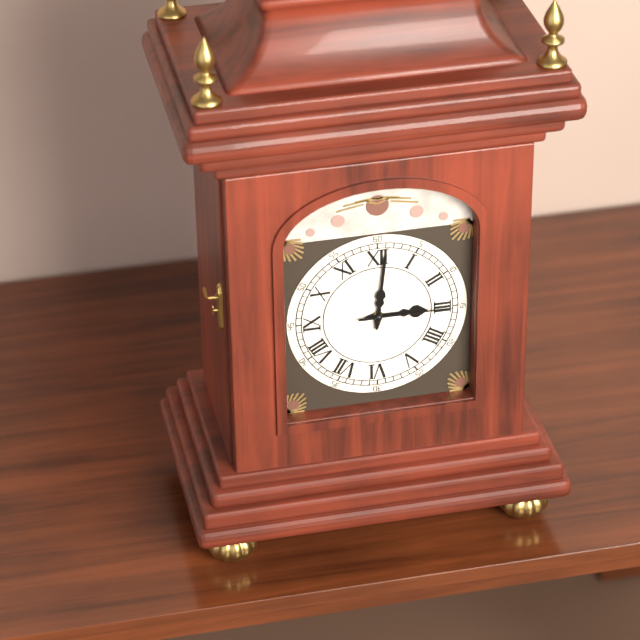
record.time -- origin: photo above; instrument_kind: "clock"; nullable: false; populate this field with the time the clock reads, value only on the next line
3:01:15
